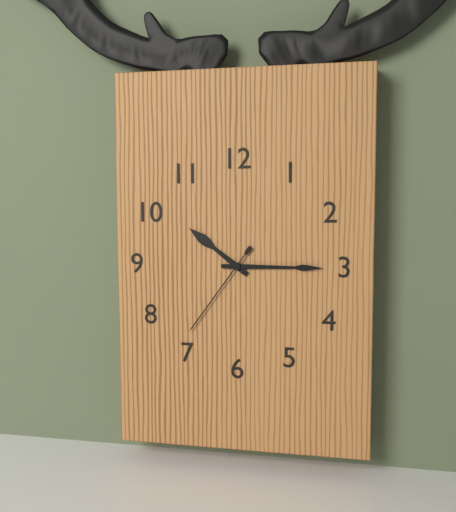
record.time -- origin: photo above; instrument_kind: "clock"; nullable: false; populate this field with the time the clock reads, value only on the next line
10:15:36
